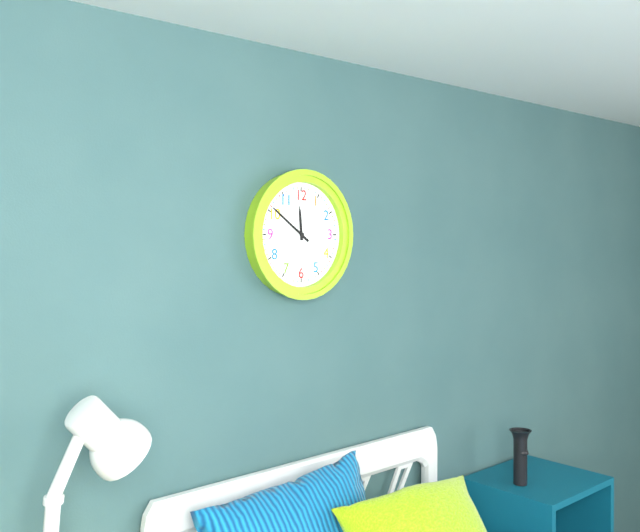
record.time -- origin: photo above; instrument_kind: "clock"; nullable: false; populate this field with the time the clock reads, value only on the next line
11:51
